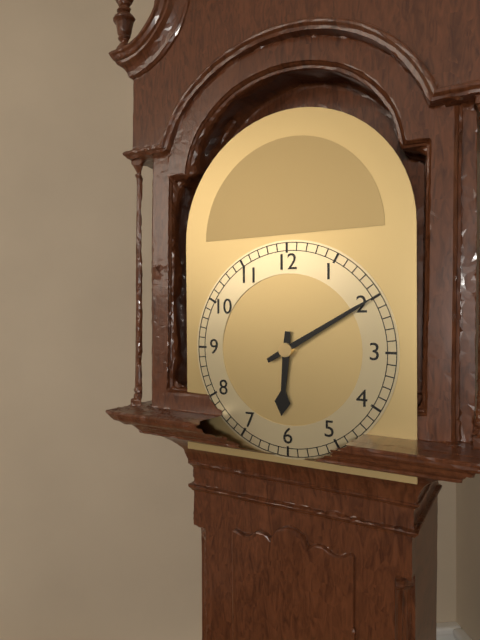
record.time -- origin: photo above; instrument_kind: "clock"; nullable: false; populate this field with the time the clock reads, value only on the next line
6:10
